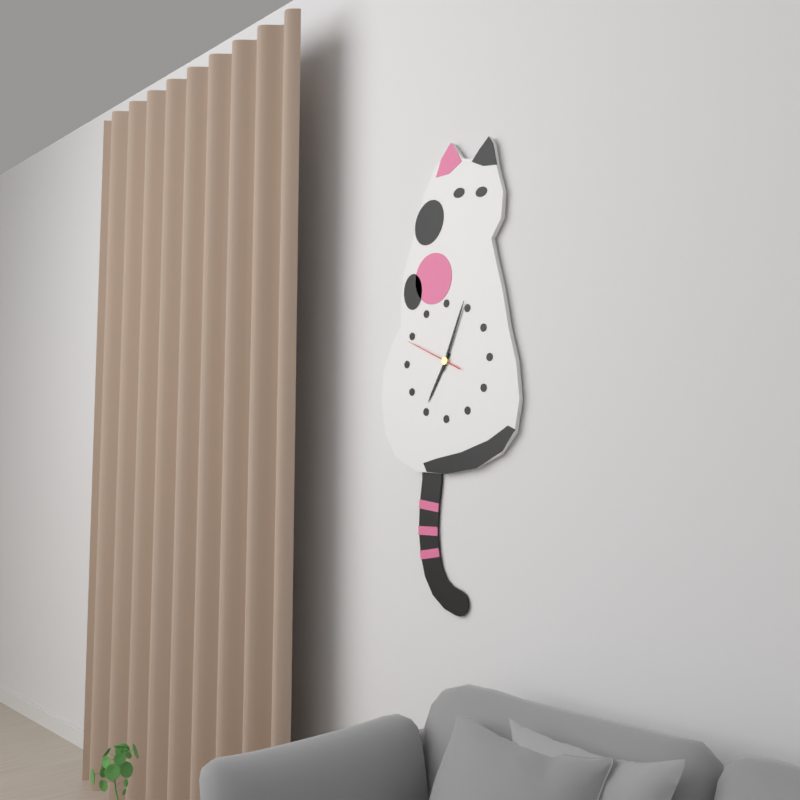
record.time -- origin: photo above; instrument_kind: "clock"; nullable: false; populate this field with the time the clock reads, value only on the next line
7:04:49
